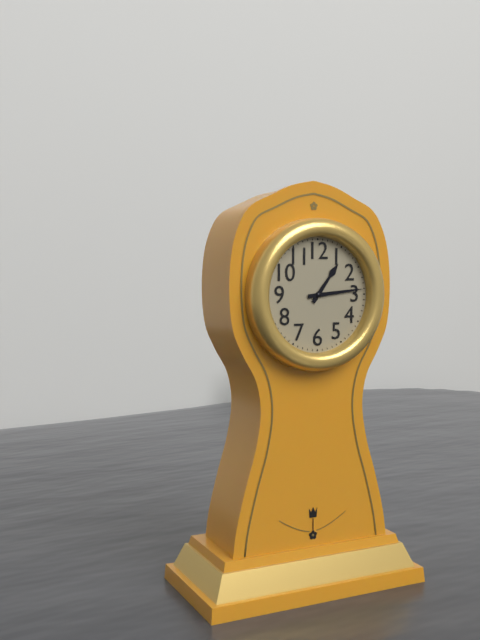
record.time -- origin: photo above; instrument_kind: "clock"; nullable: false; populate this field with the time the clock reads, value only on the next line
1:14
